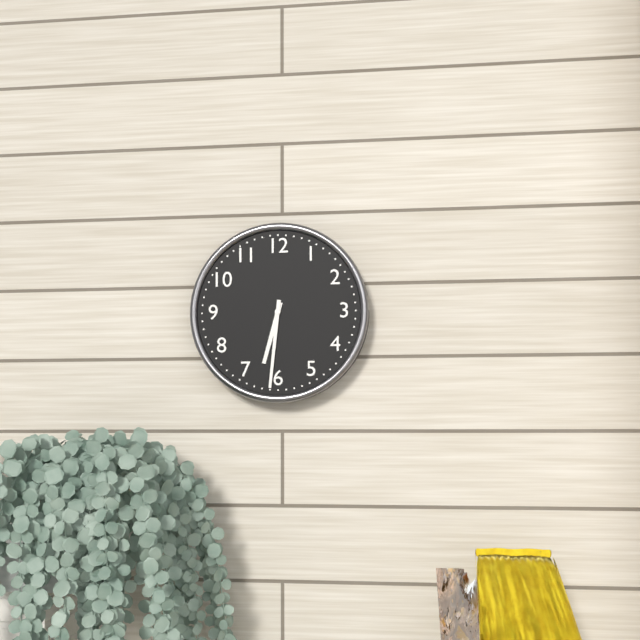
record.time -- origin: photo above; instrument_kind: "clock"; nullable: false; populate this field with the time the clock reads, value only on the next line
6:31
